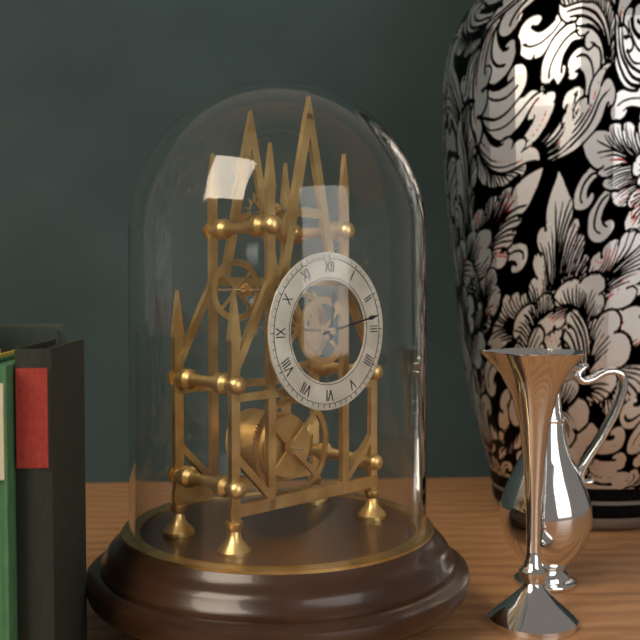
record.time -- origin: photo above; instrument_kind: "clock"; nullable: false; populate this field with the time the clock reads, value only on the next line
12:13
